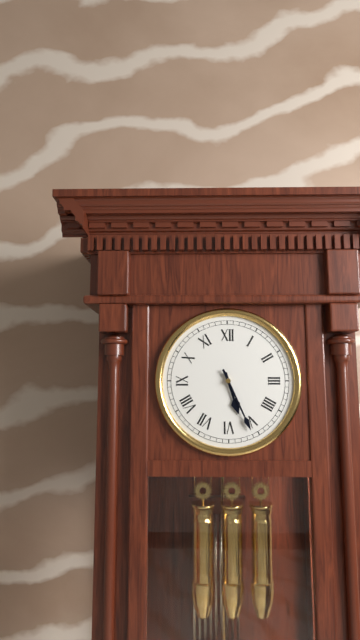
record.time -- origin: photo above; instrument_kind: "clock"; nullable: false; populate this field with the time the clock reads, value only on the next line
5:26
